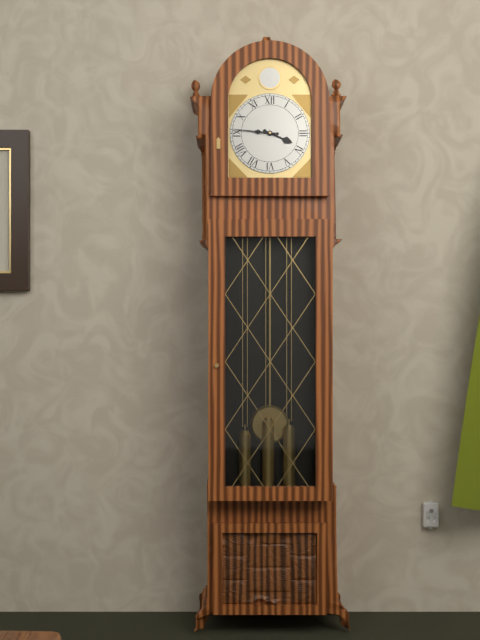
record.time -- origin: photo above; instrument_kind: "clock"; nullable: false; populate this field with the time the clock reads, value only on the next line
3:46
